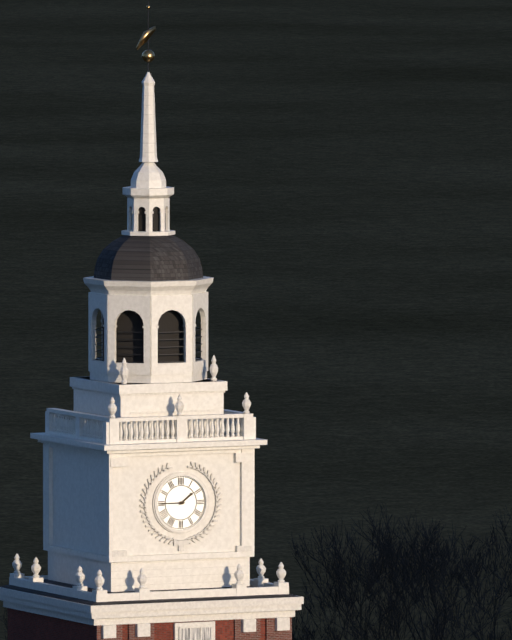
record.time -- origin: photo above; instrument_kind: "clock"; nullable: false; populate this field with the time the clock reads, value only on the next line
1:45
